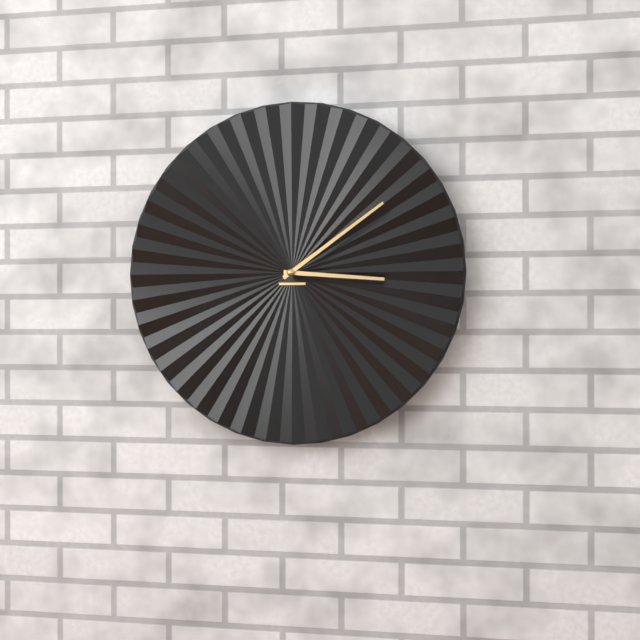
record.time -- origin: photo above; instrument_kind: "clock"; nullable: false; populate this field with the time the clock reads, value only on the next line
3:09
